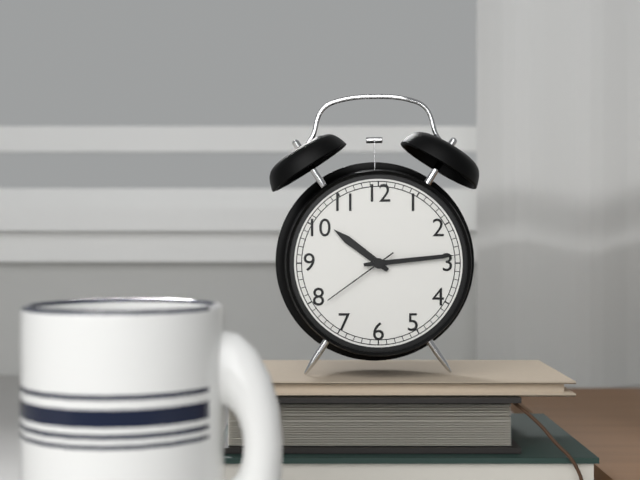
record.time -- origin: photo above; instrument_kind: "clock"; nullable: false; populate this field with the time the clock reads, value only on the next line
10:14:39
